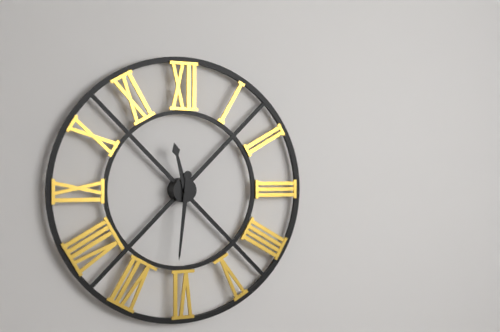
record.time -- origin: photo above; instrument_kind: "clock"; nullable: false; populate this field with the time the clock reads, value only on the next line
11:31
